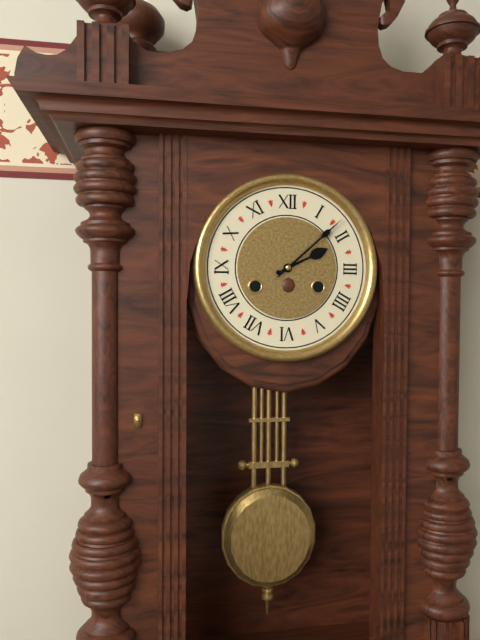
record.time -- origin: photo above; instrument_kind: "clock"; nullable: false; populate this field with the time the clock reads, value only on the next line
2:08
